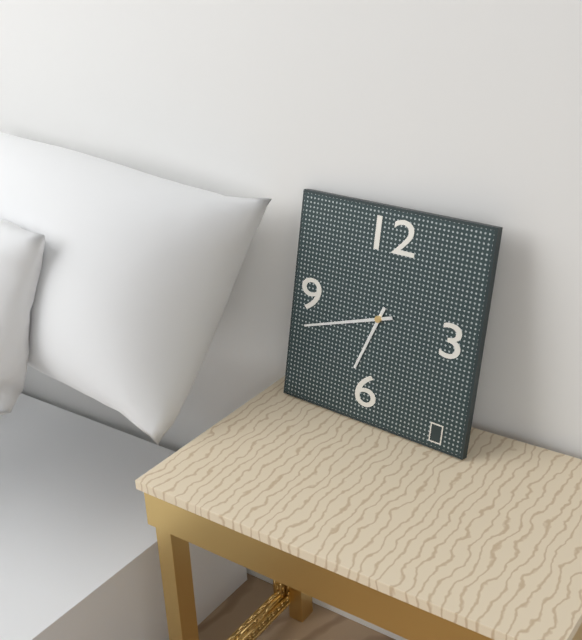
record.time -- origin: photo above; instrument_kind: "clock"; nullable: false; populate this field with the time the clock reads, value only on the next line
6:42
